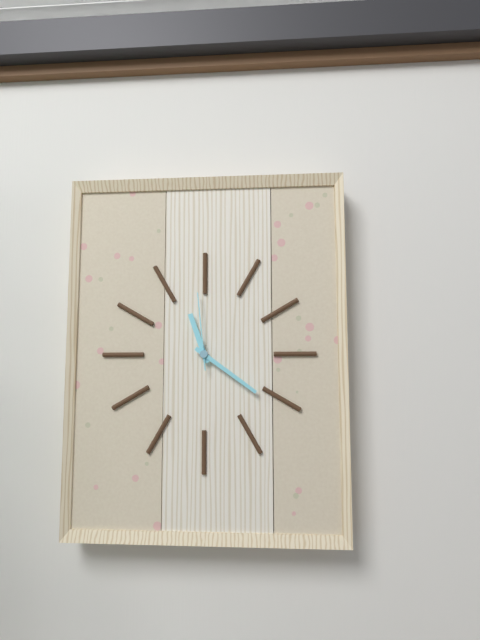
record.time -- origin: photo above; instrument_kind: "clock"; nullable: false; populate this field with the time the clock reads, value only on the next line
11:21:59
